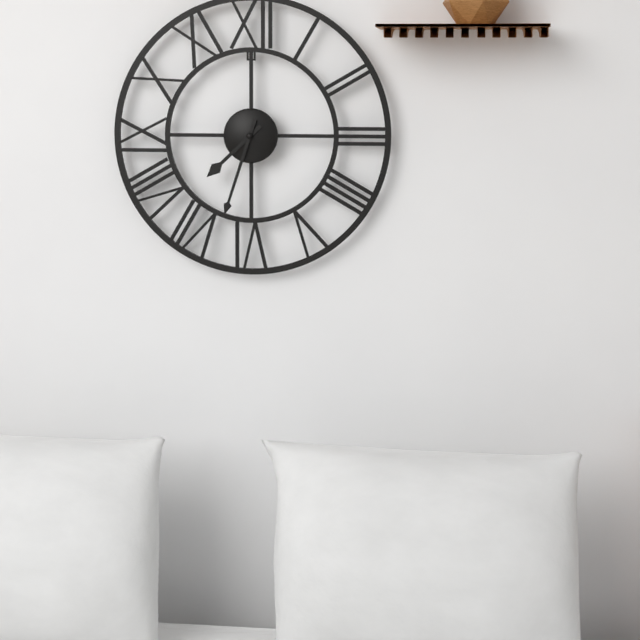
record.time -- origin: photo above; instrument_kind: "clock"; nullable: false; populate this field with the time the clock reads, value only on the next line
7:33
